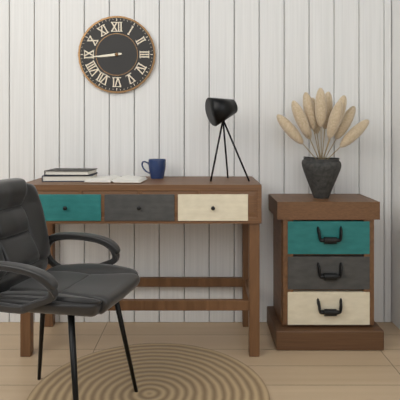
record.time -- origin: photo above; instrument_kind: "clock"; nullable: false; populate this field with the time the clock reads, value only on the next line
8:44
